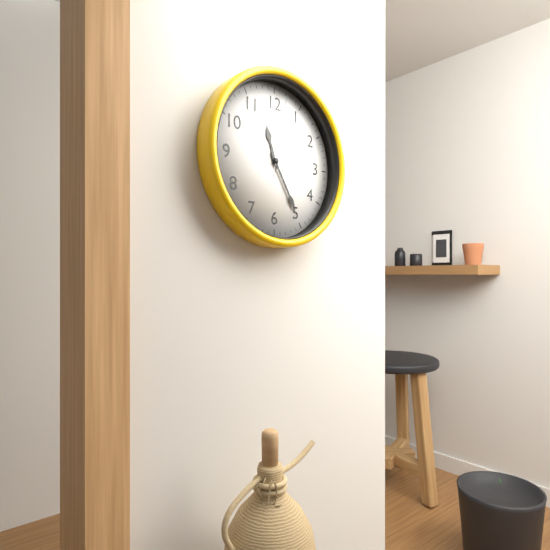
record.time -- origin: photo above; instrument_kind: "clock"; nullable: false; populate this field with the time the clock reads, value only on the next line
11:25:02
